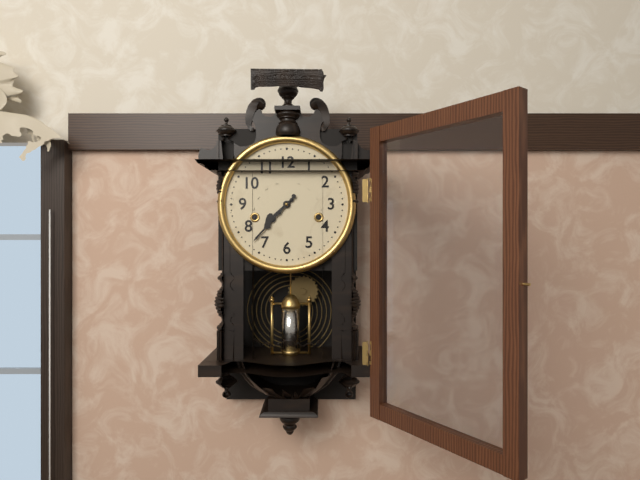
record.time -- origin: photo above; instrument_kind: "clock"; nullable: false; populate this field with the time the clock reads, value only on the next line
7:37
